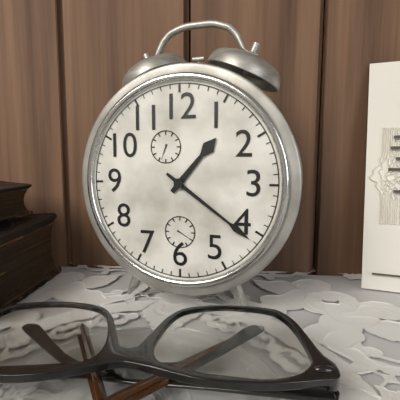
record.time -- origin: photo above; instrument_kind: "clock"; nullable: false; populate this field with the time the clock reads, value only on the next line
1:21
